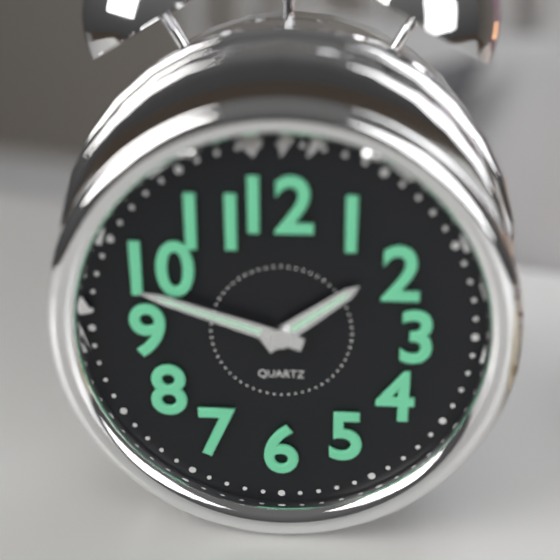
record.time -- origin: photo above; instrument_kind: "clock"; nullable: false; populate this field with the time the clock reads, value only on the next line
1:48
